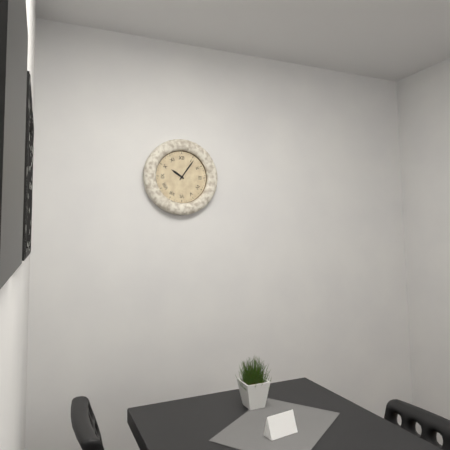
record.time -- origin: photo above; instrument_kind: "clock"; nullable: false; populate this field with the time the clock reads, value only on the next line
10:06
